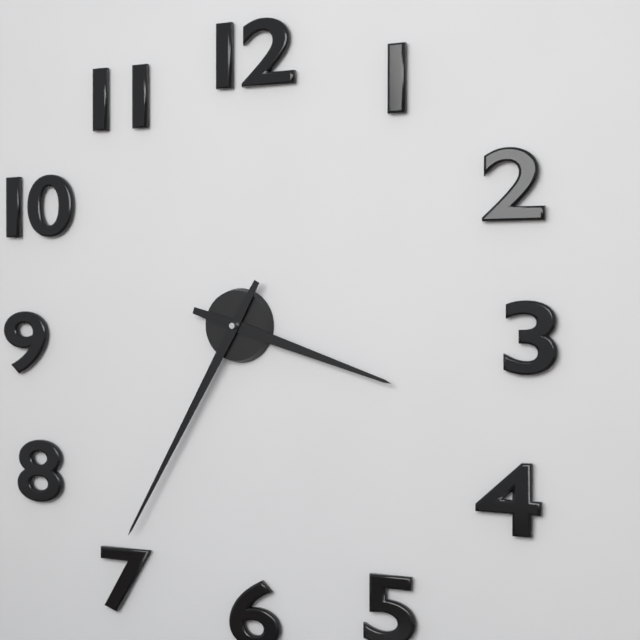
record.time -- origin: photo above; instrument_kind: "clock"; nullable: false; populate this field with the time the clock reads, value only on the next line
3:35
